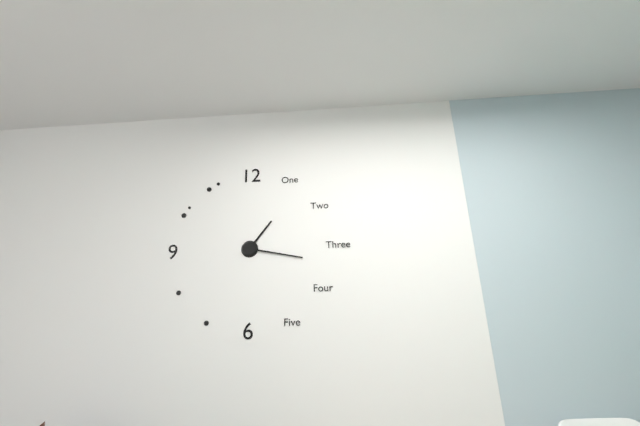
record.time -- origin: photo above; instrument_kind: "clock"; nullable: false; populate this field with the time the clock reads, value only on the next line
1:17
